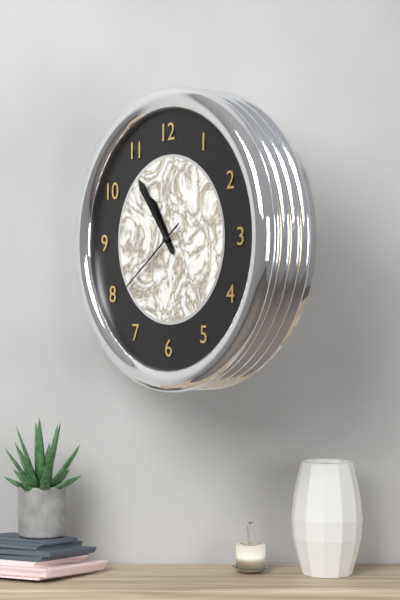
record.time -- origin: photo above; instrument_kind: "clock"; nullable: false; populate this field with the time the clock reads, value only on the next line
10:54:39
